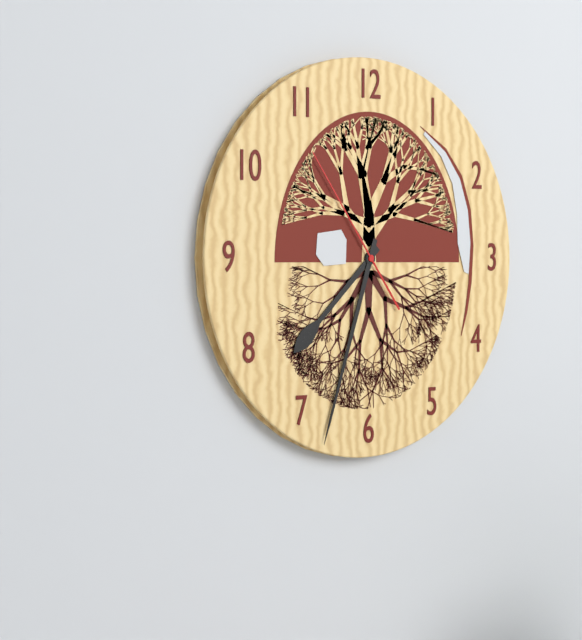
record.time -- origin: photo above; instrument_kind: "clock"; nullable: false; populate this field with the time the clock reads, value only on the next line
7:33:54
